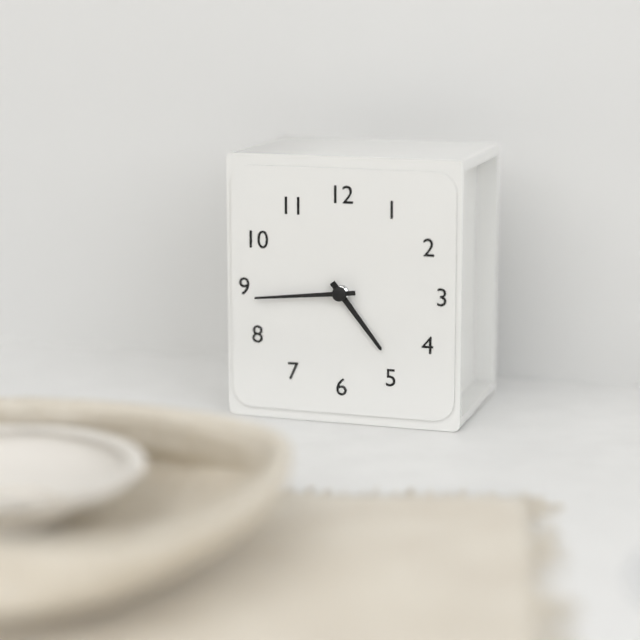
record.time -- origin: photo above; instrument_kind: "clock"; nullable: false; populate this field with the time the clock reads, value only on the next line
4:44
